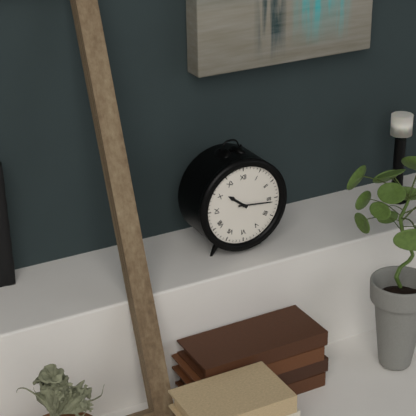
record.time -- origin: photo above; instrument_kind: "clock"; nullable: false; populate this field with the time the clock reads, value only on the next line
10:16
